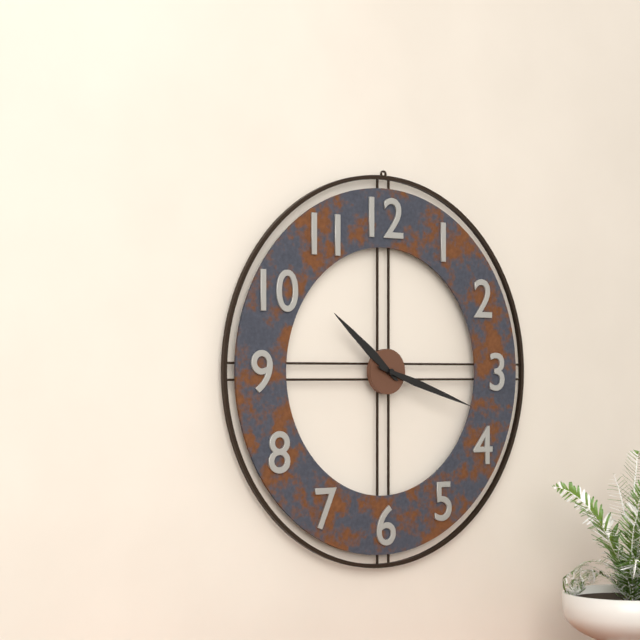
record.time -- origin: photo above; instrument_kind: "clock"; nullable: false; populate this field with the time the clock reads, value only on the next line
10:18
